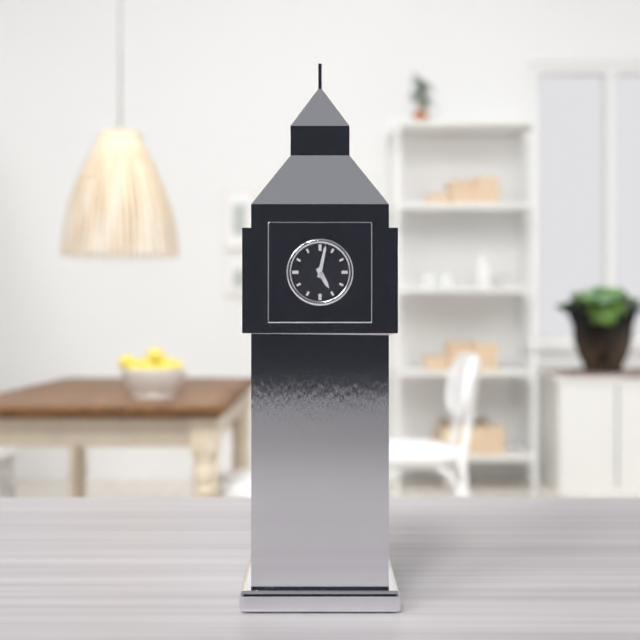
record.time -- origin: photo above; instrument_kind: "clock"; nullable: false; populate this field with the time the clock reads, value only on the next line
5:02
